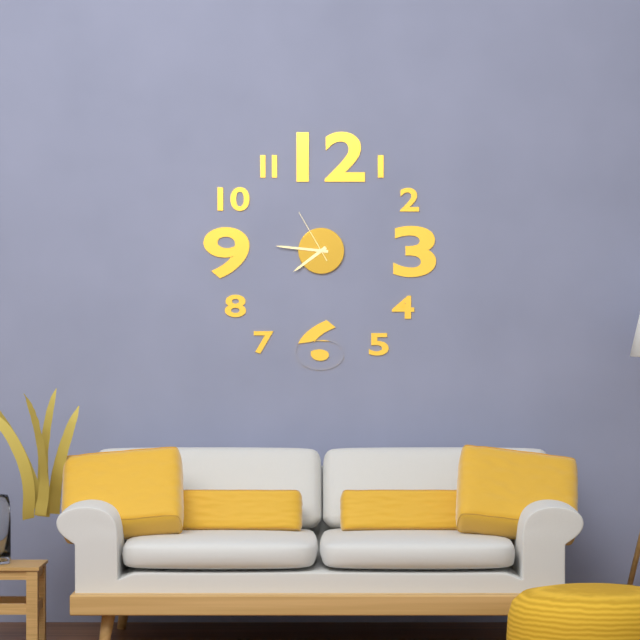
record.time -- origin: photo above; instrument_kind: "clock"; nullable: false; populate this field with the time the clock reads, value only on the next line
7:46:55
